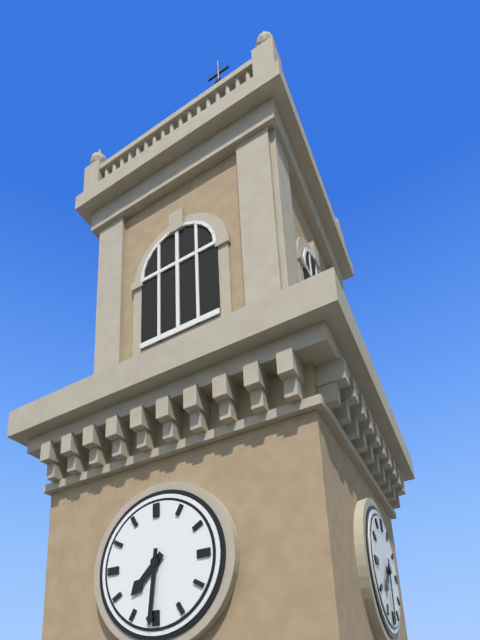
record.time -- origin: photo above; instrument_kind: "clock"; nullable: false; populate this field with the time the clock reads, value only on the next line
7:31
